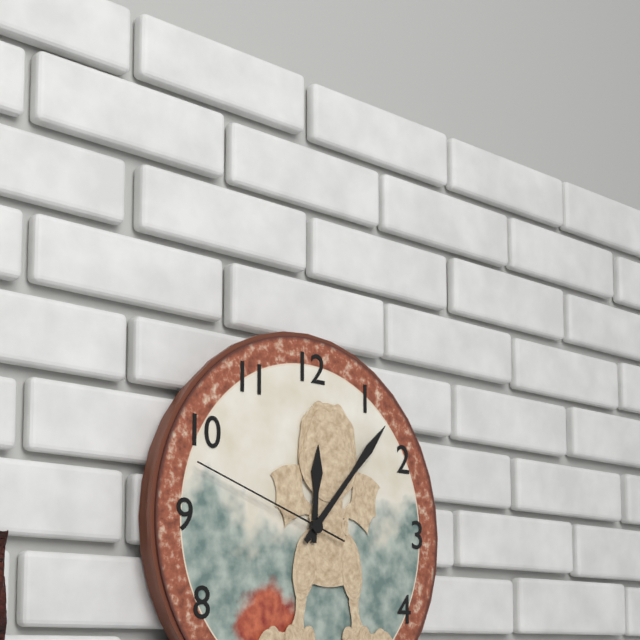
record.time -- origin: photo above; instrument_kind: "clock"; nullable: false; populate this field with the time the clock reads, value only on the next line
12:07:48
